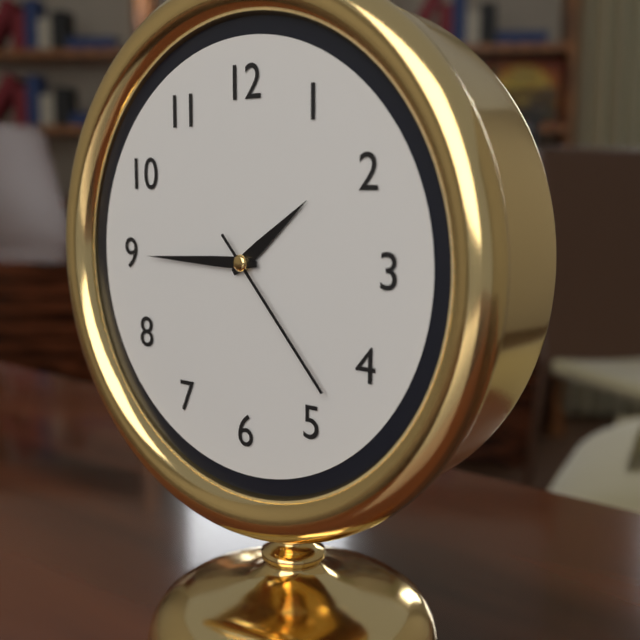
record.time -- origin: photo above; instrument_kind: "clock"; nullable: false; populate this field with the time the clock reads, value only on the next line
1:45:23
